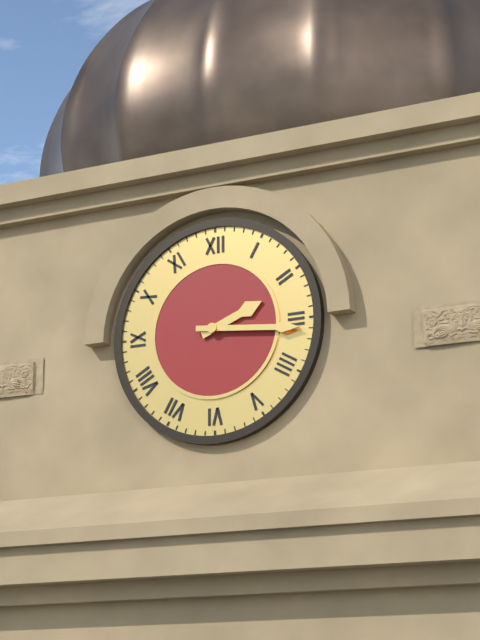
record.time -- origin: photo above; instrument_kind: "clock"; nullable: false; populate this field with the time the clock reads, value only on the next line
2:16
